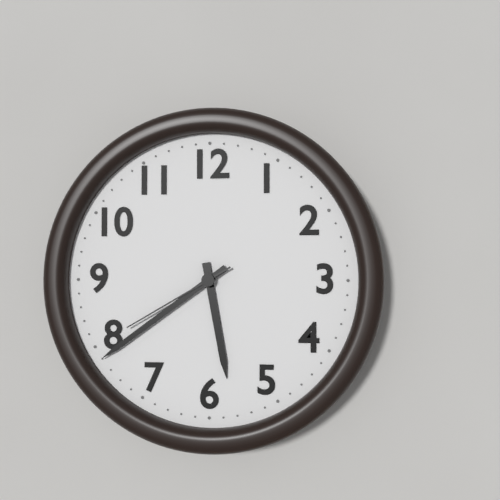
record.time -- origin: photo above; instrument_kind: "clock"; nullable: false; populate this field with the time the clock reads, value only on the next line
5:39:40
